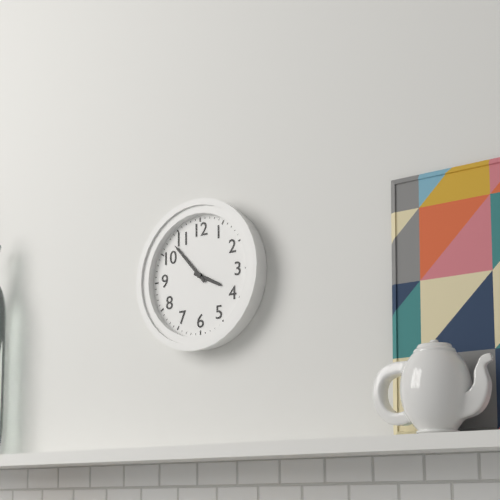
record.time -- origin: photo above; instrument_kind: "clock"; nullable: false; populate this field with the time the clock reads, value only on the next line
3:53
